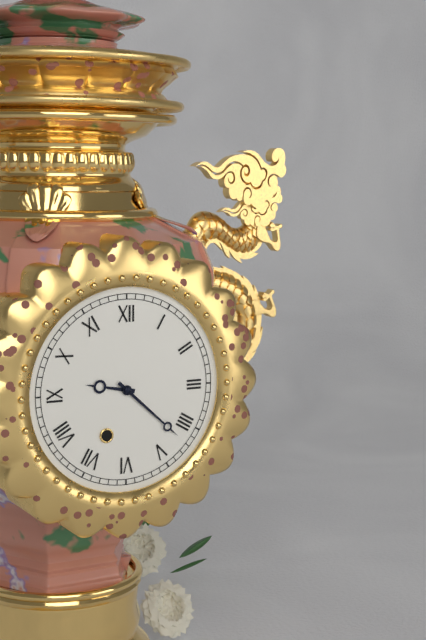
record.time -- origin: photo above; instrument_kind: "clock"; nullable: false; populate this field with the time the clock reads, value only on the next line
9:22
